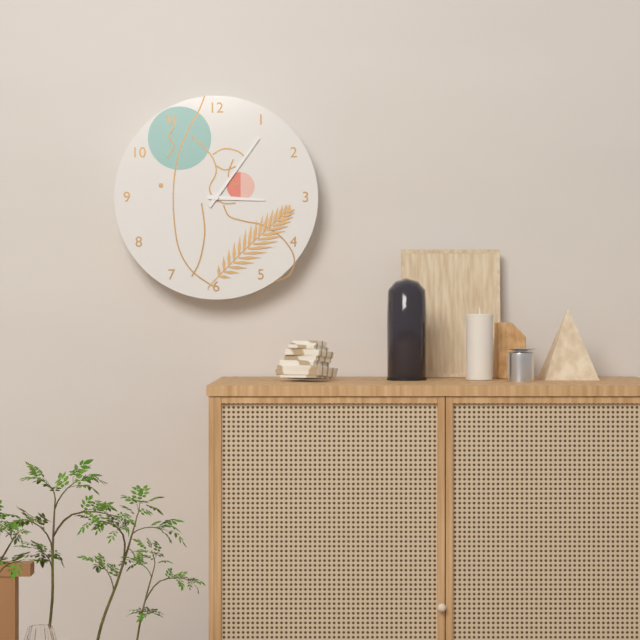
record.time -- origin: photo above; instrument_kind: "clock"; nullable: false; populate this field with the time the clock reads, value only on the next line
3:06
